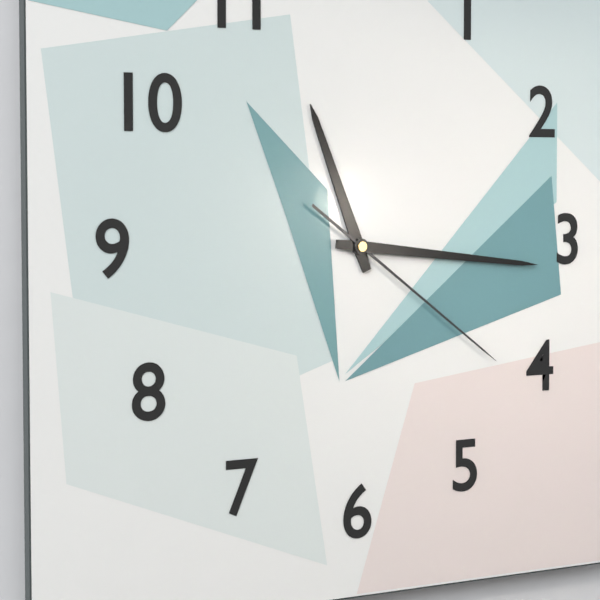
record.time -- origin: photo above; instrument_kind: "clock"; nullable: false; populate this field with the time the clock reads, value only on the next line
11:16:21
